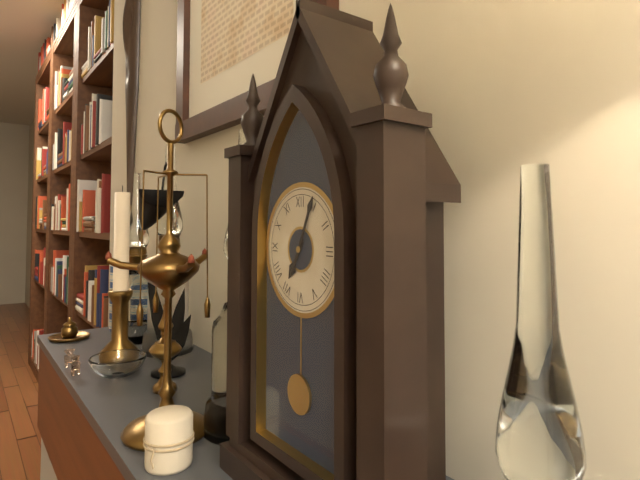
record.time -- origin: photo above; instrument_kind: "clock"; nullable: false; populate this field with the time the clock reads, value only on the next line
7:04
